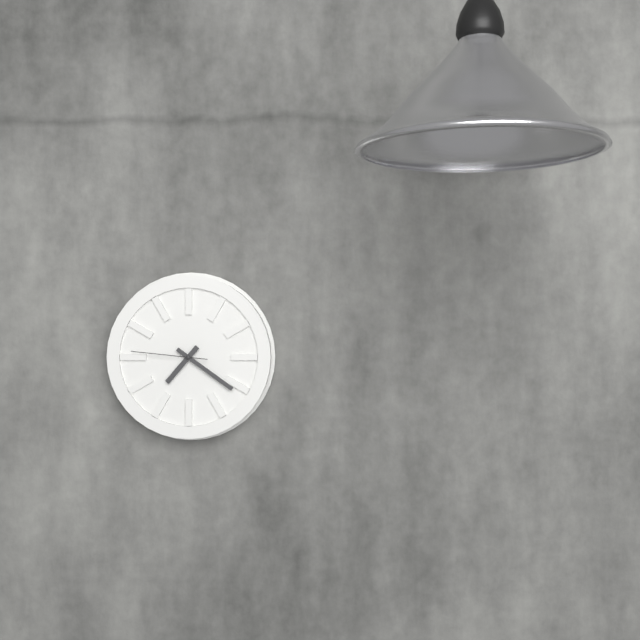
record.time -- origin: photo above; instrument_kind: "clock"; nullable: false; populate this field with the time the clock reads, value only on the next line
7:21:46
